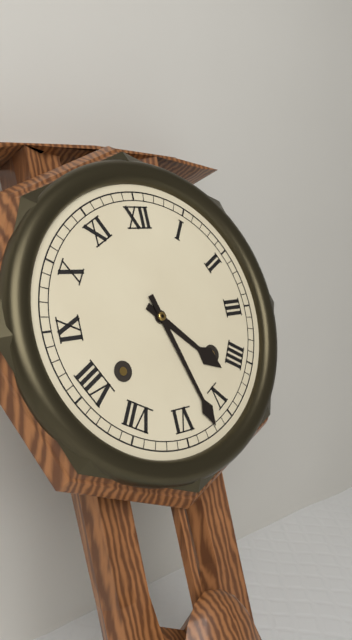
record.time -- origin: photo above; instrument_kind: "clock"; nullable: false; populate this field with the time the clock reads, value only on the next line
4:27
